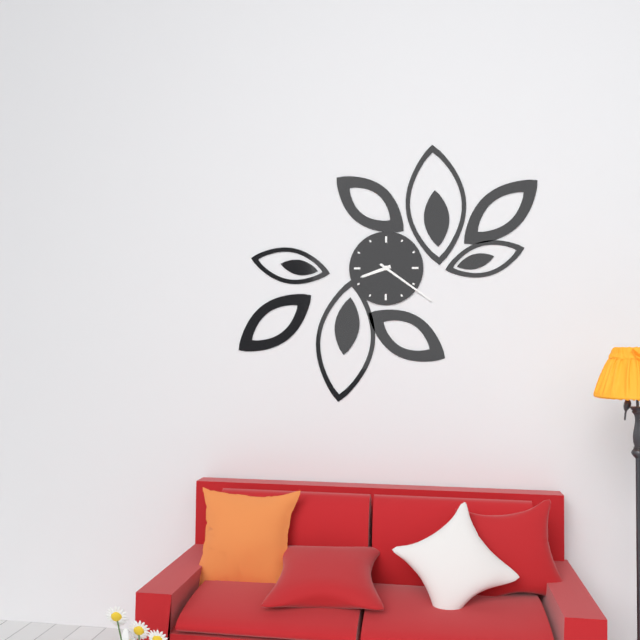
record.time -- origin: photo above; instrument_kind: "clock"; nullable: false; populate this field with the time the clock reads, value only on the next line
8:21
